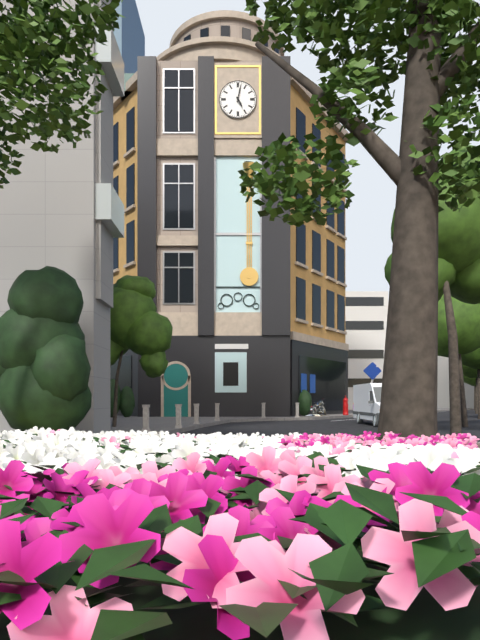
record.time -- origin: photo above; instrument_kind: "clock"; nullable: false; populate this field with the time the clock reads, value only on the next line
5:02
